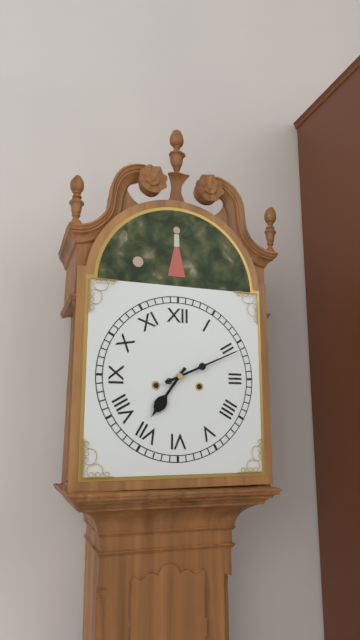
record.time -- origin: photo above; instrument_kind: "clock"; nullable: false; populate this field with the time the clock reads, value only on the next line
7:11
